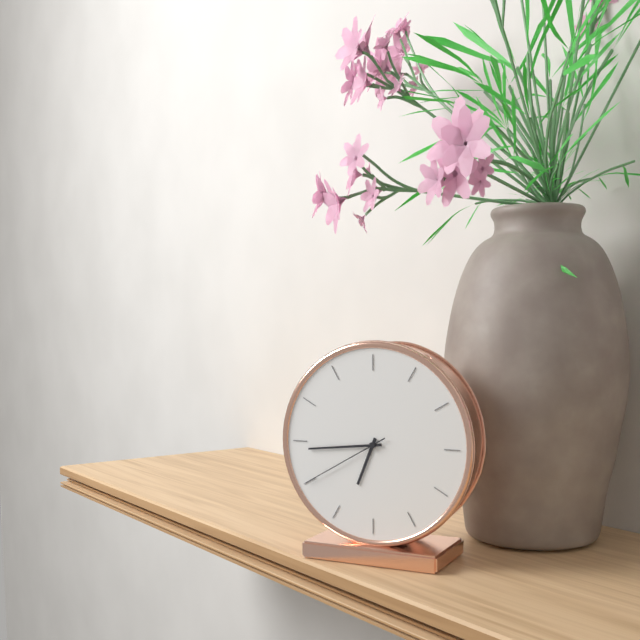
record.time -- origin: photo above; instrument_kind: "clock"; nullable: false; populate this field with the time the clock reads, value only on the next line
6:44:40
